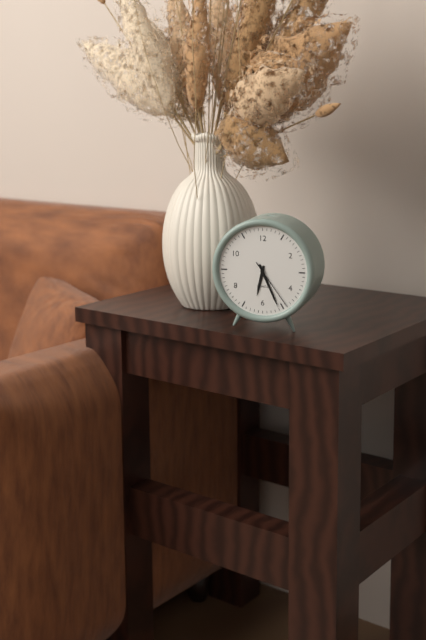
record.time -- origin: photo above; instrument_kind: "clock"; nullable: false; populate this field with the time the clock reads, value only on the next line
6:26:24
